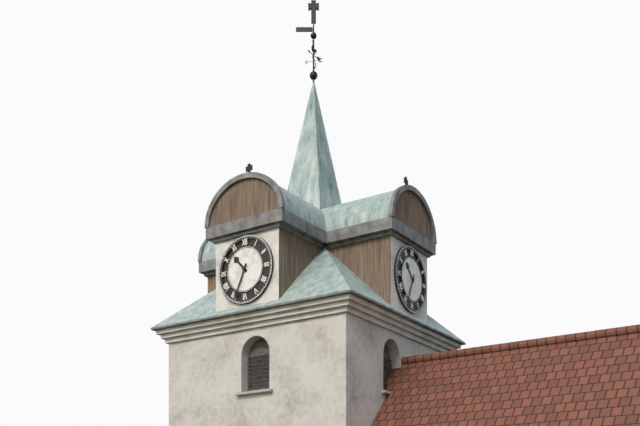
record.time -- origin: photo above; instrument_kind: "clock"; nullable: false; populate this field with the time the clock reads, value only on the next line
10:34
